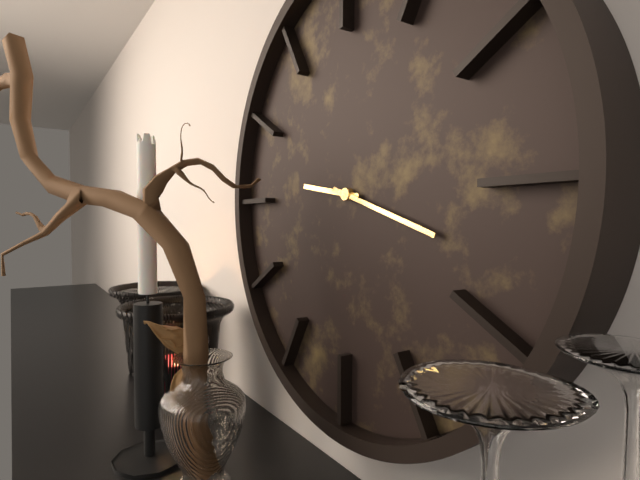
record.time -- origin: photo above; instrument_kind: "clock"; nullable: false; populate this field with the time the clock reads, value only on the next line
9:18
